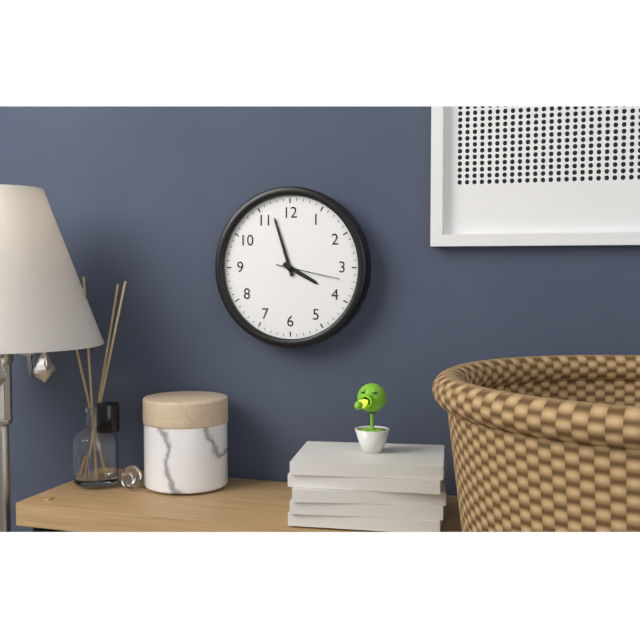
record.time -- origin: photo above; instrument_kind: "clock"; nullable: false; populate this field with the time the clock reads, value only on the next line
3:57:17
